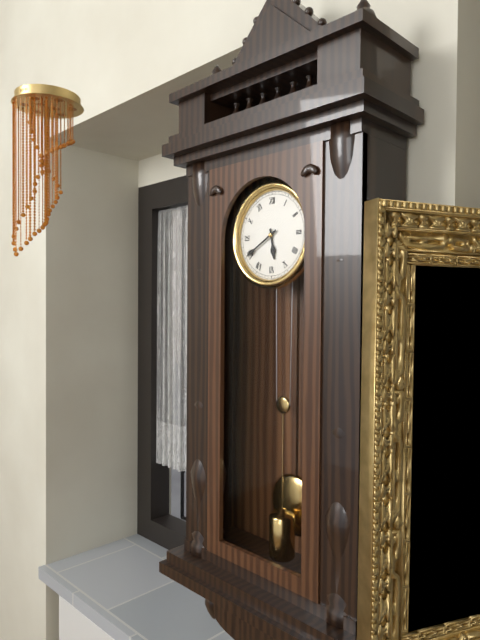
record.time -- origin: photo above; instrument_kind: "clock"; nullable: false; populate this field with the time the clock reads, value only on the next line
5:40
